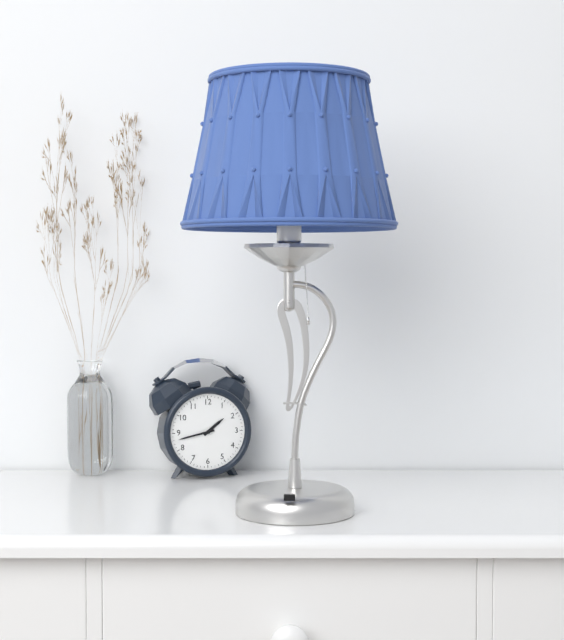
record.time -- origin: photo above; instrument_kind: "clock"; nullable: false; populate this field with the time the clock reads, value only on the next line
1:43
